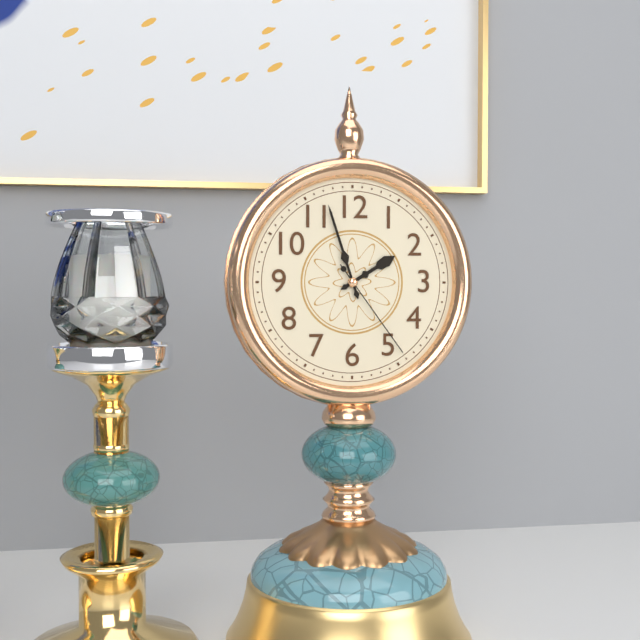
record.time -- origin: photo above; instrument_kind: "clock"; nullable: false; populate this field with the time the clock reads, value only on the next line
1:57:24
